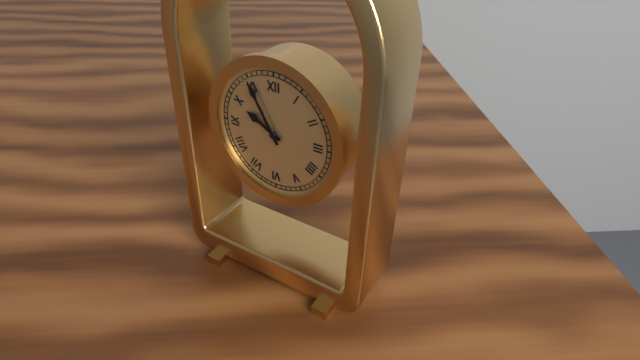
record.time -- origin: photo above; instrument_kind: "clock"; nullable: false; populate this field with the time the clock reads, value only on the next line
9:55
